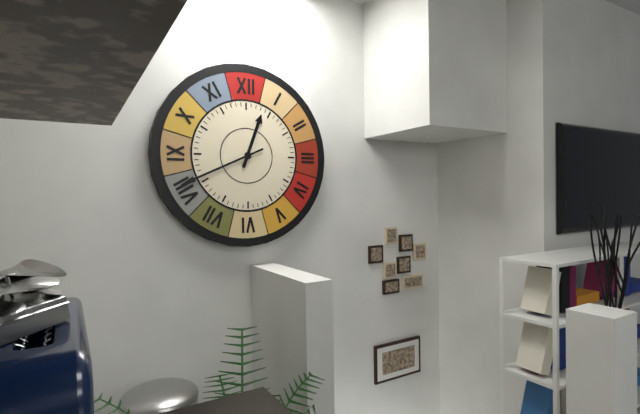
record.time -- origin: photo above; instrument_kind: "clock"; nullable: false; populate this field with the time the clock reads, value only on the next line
12:41
